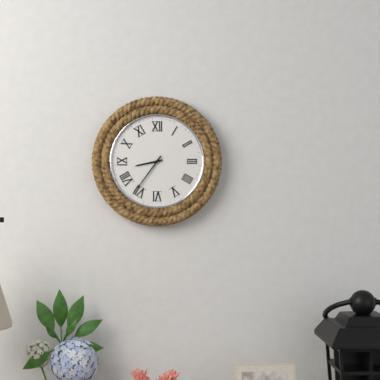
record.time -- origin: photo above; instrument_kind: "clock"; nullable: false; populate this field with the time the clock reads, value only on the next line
8:36
